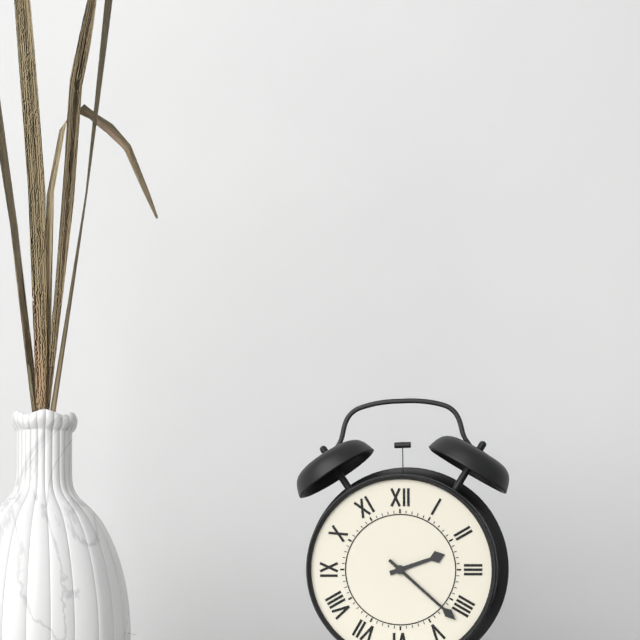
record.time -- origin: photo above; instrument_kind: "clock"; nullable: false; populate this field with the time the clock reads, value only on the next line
2:22
